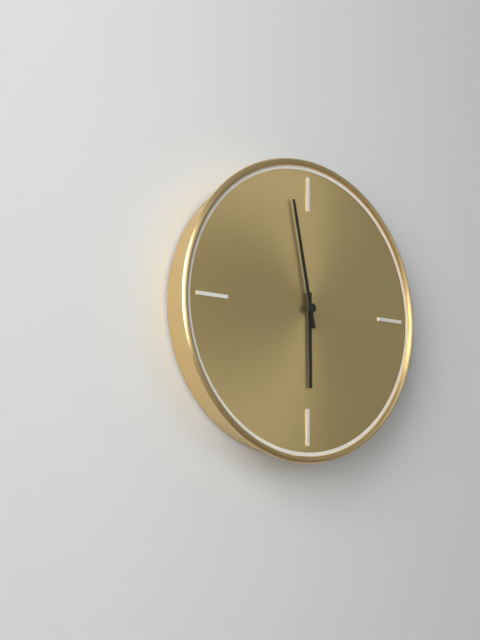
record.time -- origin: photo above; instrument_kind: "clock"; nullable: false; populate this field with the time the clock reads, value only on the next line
5:58
